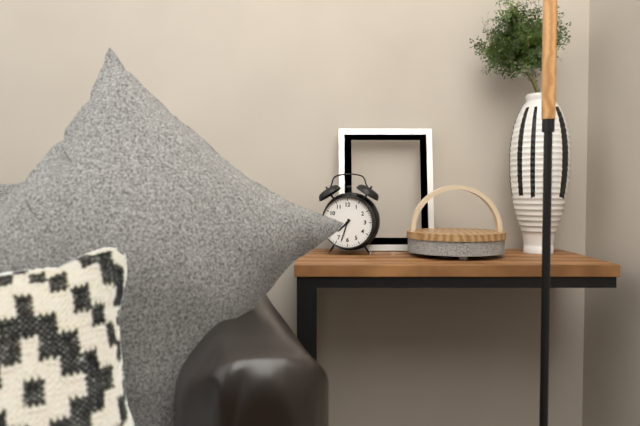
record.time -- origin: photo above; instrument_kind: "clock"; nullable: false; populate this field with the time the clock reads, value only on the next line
7:33
